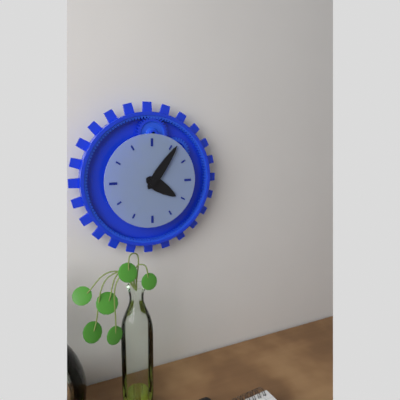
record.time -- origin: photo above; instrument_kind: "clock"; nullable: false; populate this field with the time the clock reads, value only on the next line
4:06
